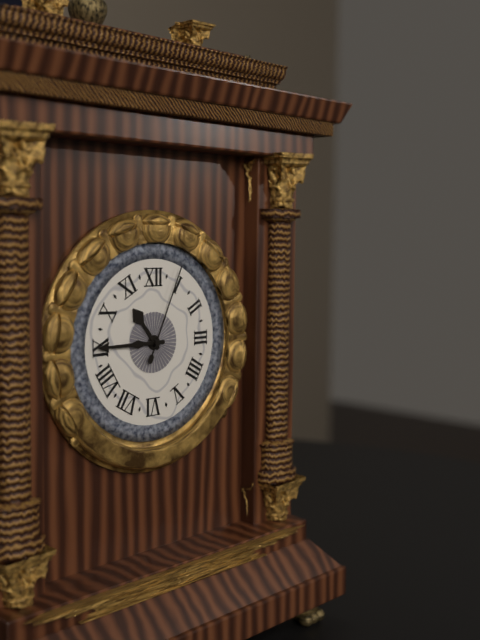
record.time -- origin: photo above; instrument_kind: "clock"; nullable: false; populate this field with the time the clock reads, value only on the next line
10:45:04
